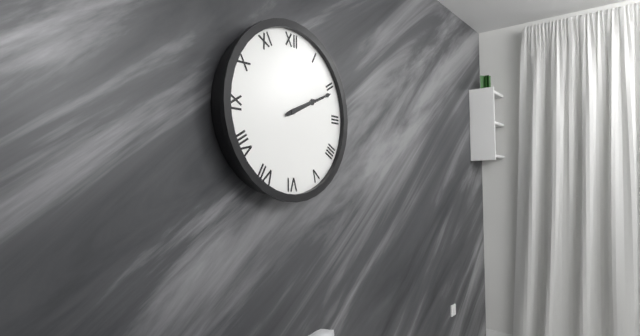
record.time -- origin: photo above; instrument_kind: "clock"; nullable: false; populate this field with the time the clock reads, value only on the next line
2:11
